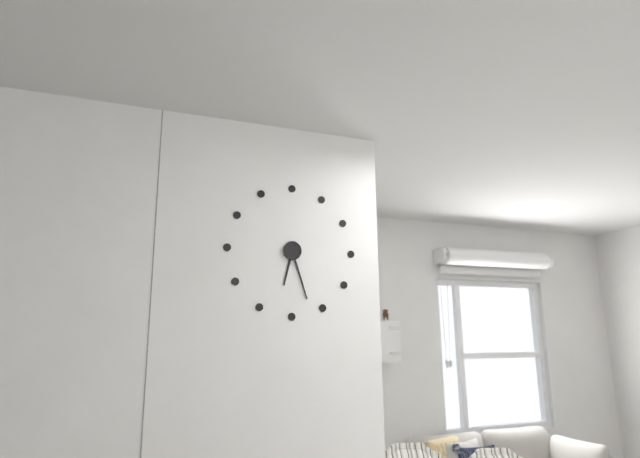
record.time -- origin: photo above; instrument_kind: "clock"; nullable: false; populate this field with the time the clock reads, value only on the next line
6:27
